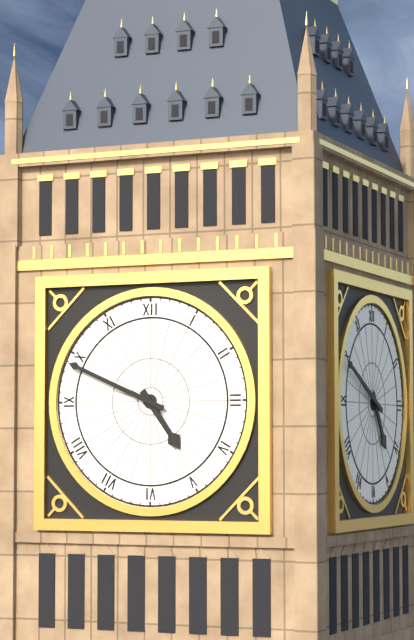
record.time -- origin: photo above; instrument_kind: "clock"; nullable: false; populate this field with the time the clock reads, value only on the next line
4:49
